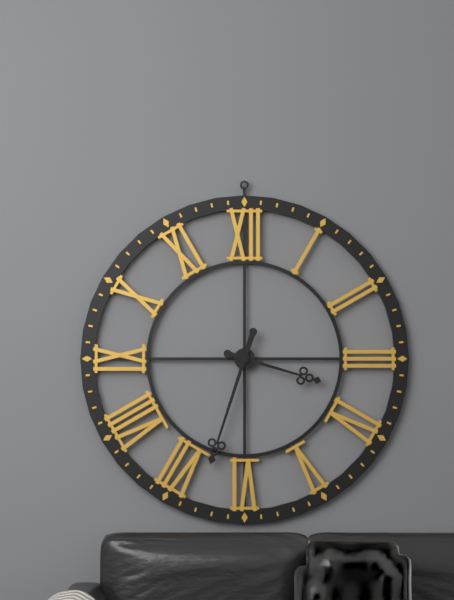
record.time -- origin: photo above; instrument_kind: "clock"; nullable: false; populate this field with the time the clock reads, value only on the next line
3:33
